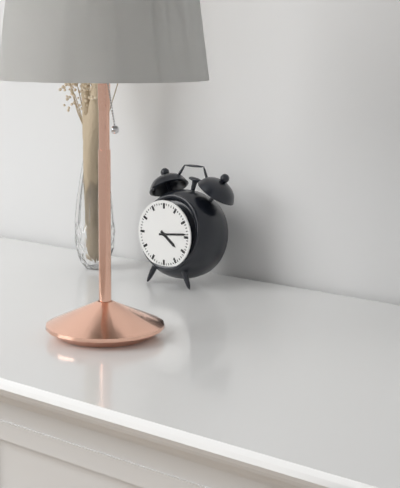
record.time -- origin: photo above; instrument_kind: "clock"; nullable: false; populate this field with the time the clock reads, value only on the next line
4:14
